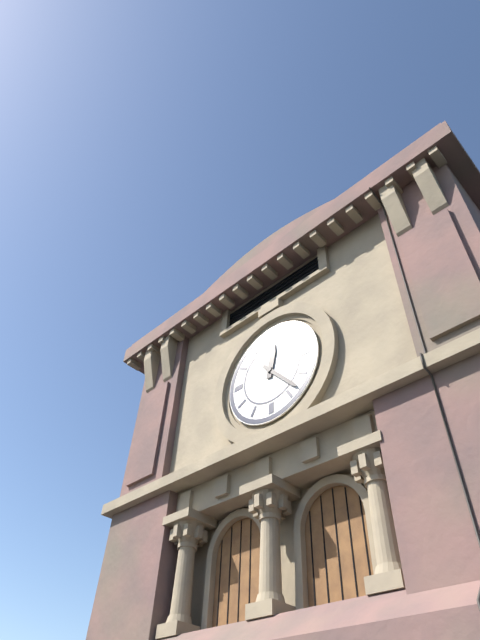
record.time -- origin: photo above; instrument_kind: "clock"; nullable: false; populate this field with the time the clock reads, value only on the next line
12:23
